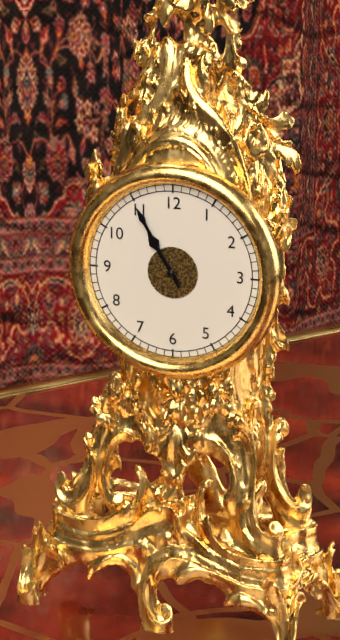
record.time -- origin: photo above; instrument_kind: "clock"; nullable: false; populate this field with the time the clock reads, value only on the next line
10:55
